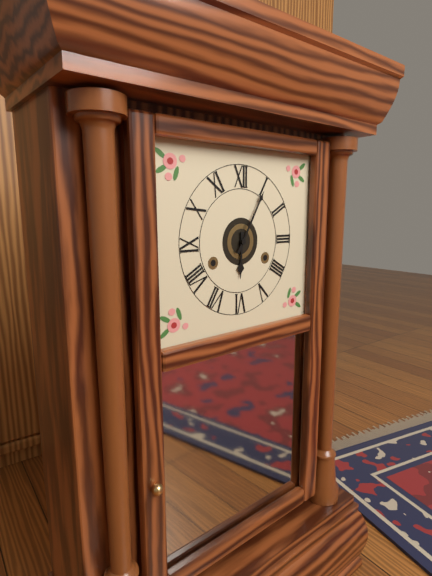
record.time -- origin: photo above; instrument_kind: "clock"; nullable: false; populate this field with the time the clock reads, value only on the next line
6:05
